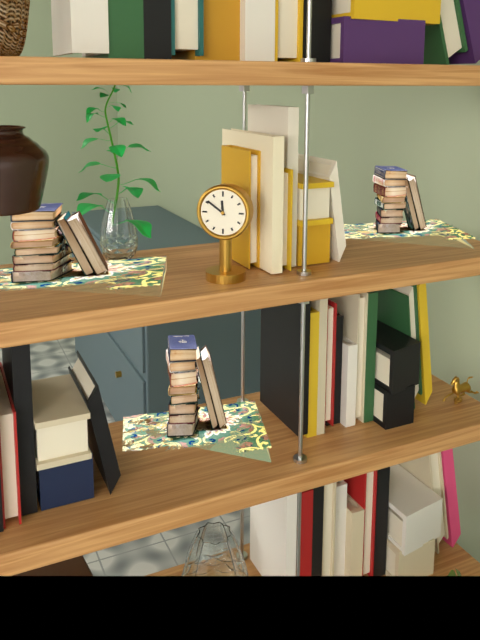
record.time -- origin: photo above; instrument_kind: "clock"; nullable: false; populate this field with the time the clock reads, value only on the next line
11:51
